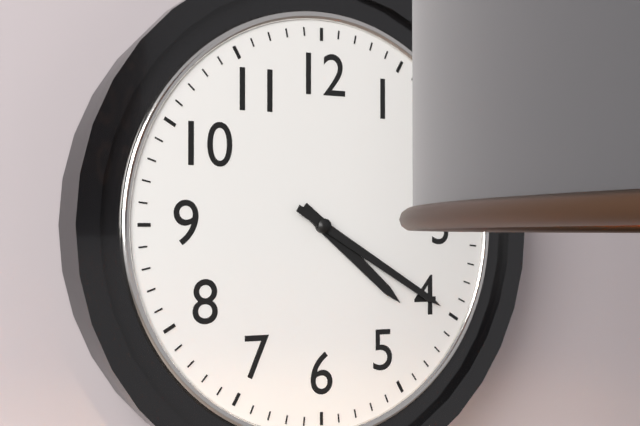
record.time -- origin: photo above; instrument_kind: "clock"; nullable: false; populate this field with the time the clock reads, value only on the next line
4:20
